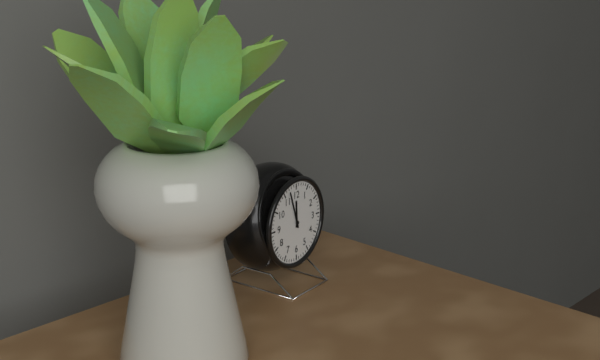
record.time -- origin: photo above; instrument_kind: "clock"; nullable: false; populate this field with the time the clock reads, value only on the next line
11:57
